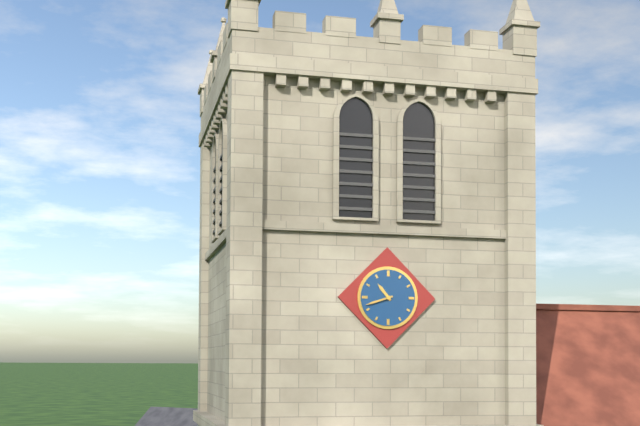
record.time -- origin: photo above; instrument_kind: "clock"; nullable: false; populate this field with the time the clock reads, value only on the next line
10:42
